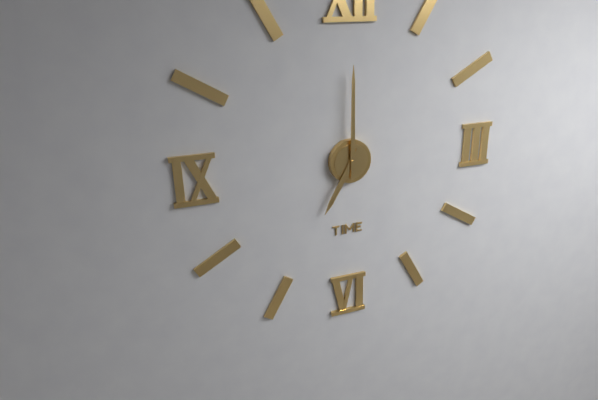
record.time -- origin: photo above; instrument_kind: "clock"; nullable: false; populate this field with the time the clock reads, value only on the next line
7:00
